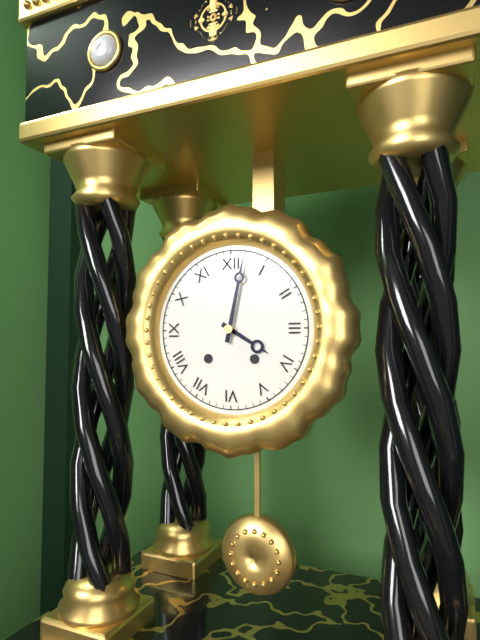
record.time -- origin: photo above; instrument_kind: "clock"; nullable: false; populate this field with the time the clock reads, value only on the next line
4:02
